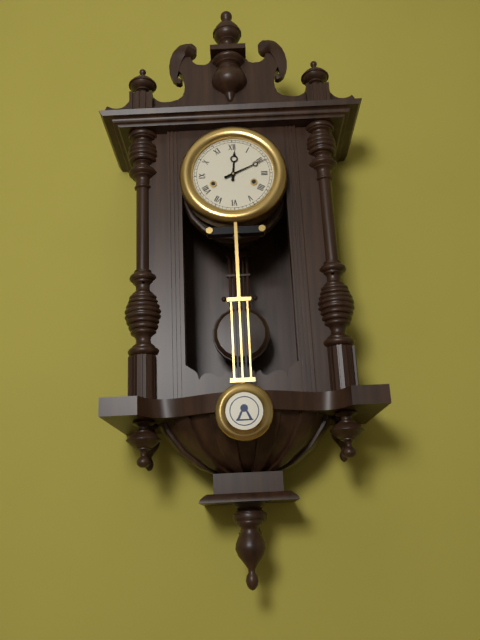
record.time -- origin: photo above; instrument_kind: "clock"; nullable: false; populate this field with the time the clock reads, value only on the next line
12:11
